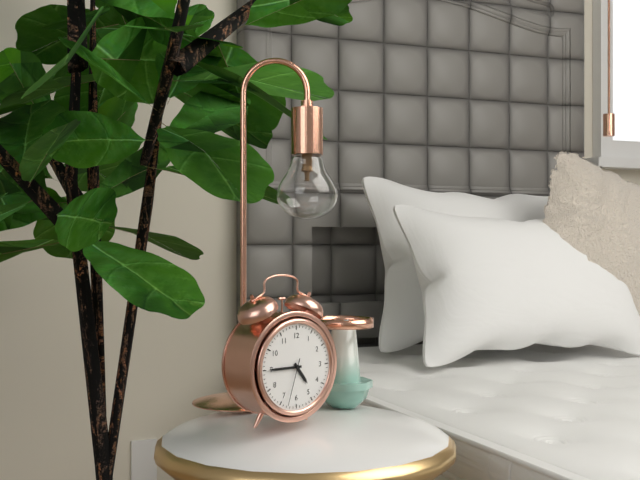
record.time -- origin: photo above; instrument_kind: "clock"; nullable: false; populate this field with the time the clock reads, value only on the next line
4:45
